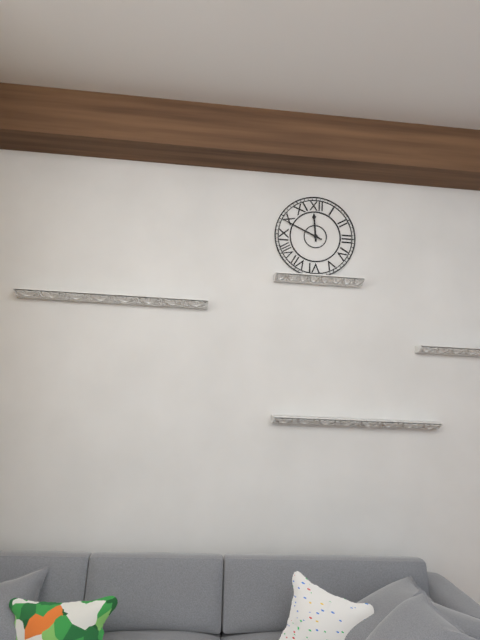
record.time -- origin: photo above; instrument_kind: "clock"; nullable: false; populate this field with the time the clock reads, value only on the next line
11:49
